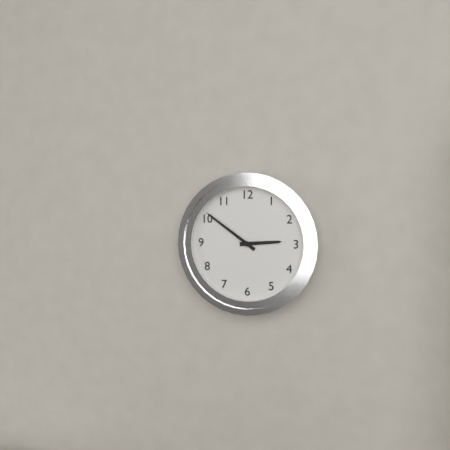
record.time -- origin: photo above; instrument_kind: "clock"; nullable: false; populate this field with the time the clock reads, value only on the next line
2:51
